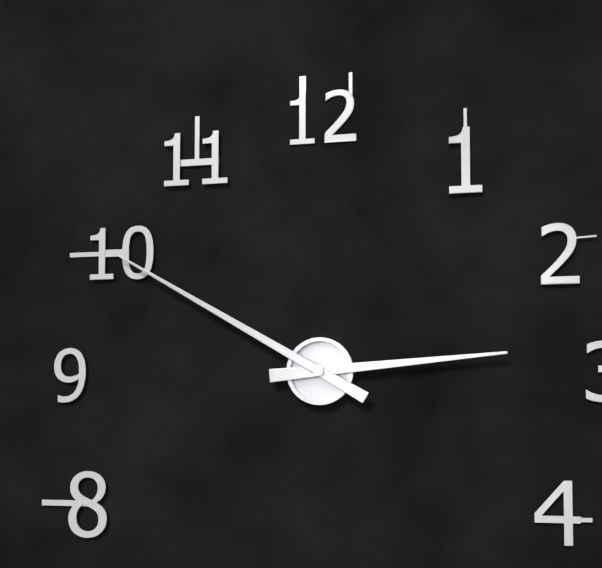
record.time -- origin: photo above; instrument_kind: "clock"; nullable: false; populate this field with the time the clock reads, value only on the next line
2:50
